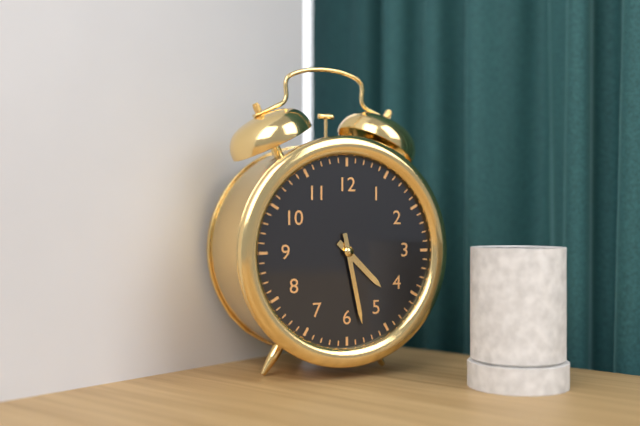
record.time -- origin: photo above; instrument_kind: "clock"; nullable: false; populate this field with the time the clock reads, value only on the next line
4:28
